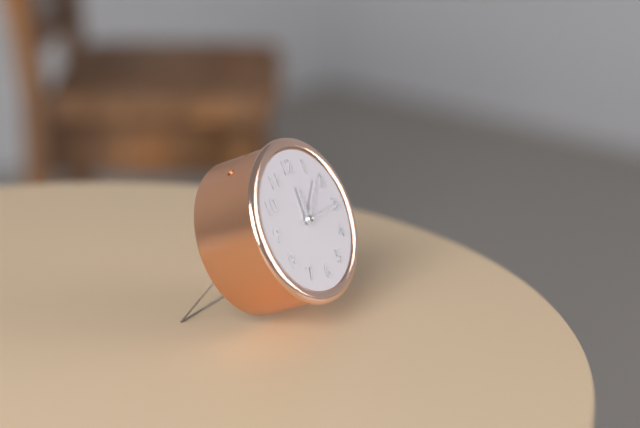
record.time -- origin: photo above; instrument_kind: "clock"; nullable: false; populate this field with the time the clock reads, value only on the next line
12:08
